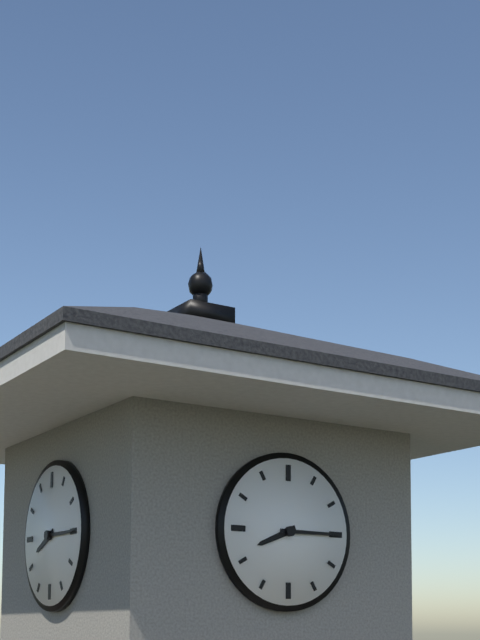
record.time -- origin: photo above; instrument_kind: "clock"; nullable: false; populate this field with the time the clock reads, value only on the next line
8:15
